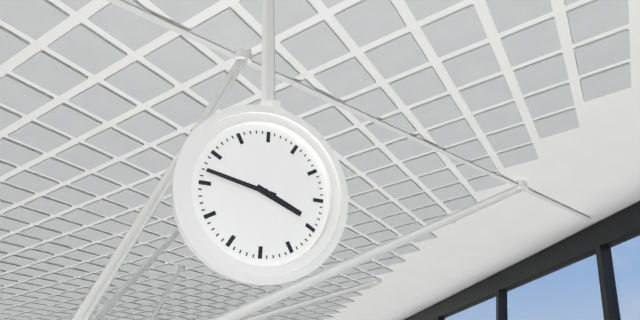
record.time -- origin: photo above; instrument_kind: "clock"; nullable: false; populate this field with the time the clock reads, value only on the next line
3:47
